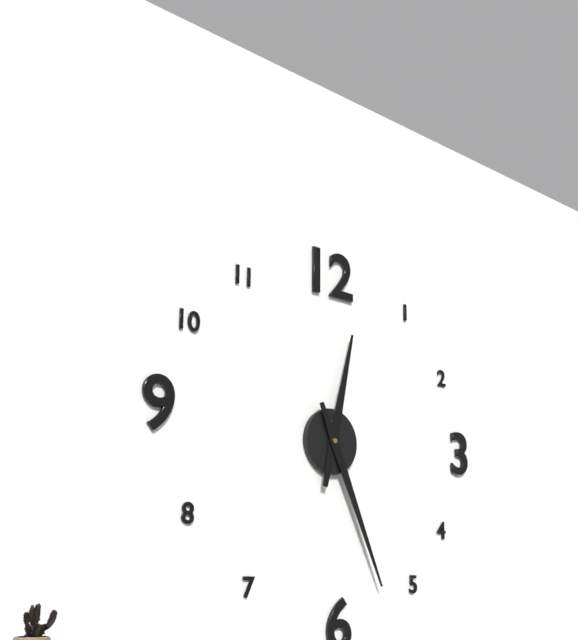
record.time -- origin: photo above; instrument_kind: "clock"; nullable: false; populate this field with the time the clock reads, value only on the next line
12:26
